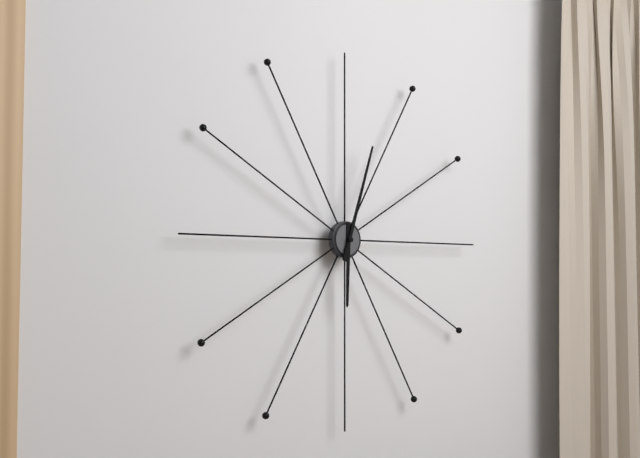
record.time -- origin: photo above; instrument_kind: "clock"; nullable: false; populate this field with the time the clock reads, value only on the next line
6:03
